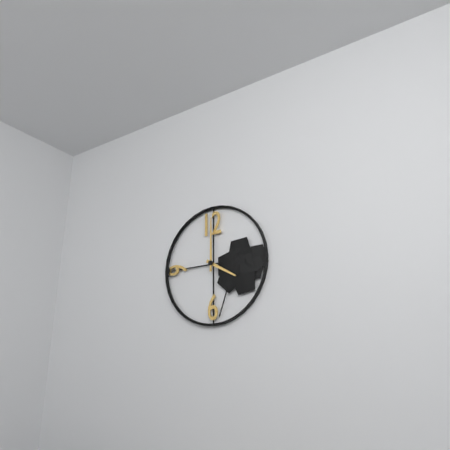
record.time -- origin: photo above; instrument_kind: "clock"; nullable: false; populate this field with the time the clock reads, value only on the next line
4:00
